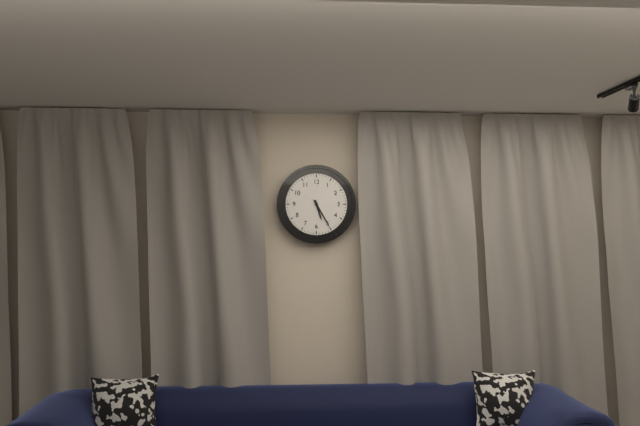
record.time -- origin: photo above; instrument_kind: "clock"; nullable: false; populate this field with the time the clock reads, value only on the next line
5:25
